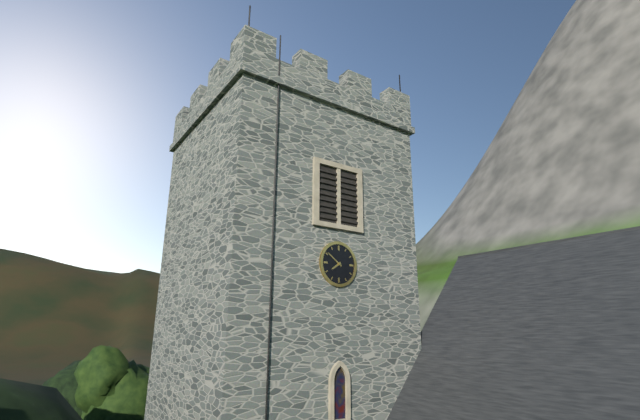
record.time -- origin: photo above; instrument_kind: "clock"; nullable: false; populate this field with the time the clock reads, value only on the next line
7:51
